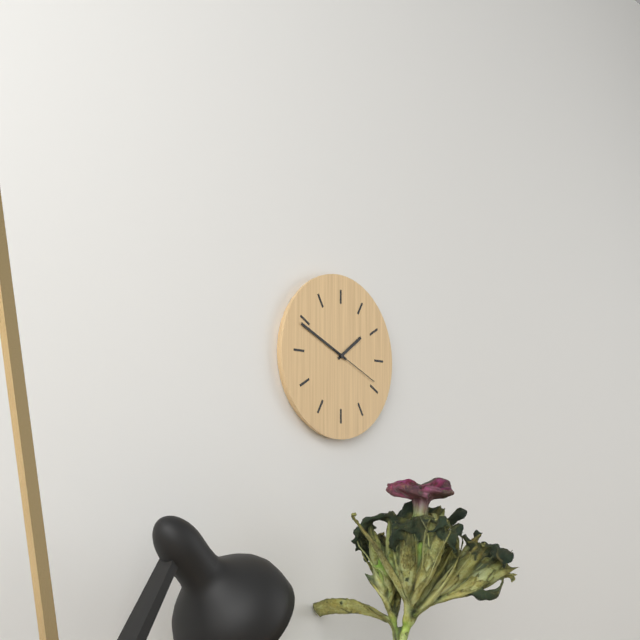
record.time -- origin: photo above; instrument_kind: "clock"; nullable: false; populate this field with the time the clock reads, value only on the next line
1:49:19
